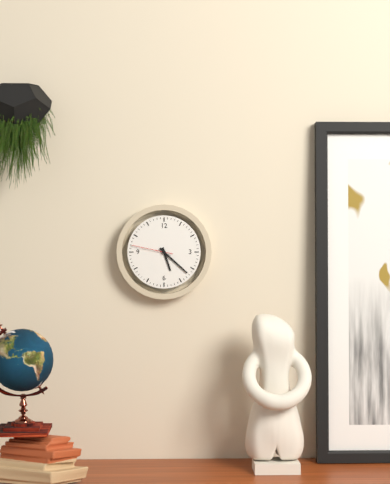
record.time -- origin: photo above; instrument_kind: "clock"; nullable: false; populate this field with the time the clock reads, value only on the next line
5:22
